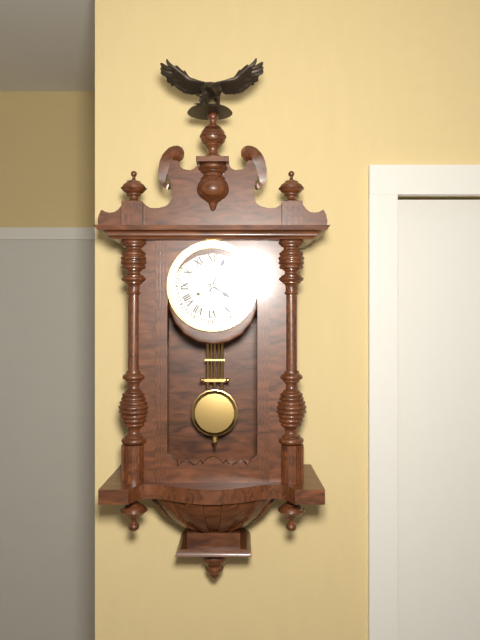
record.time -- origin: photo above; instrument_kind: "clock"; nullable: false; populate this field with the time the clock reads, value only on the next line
4:04
